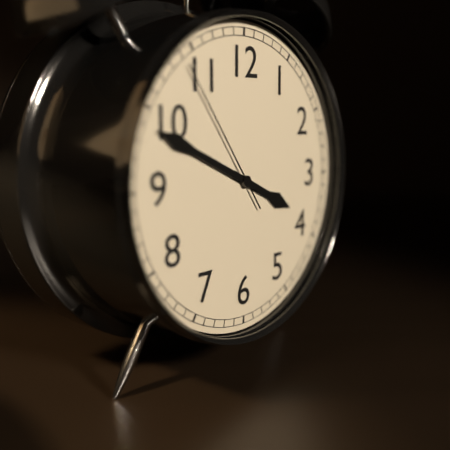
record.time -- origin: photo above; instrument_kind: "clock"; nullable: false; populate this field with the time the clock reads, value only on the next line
3:49:54
